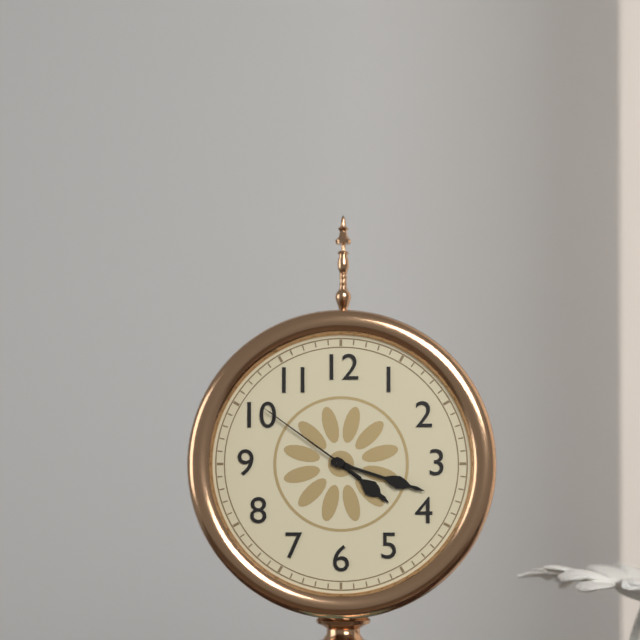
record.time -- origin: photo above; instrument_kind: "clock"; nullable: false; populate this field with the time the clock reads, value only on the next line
4:18:51
